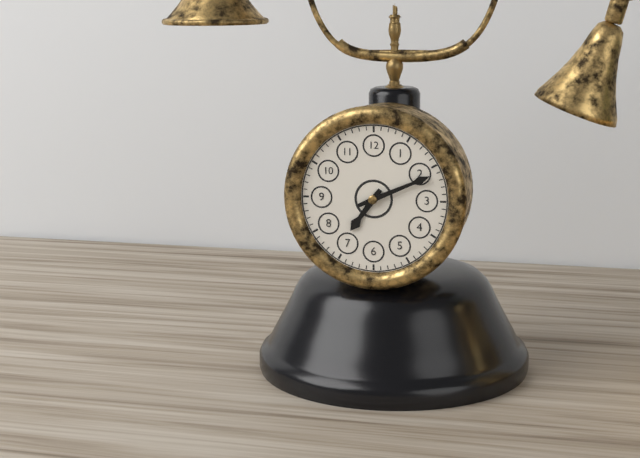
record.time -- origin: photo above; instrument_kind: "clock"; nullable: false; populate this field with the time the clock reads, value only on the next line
7:11
